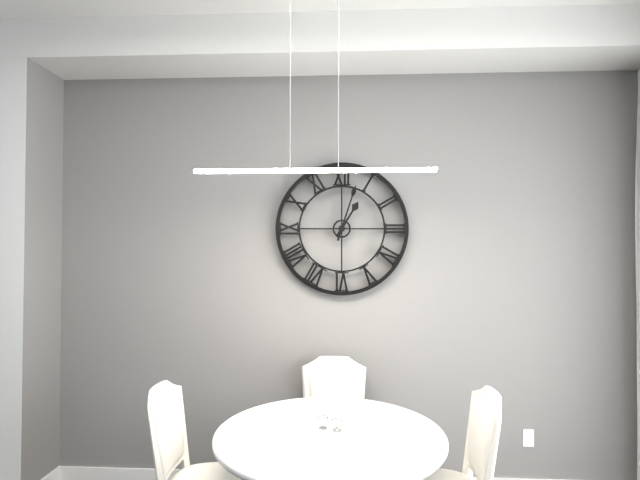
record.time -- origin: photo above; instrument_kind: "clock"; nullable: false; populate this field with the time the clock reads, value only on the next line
1:03
